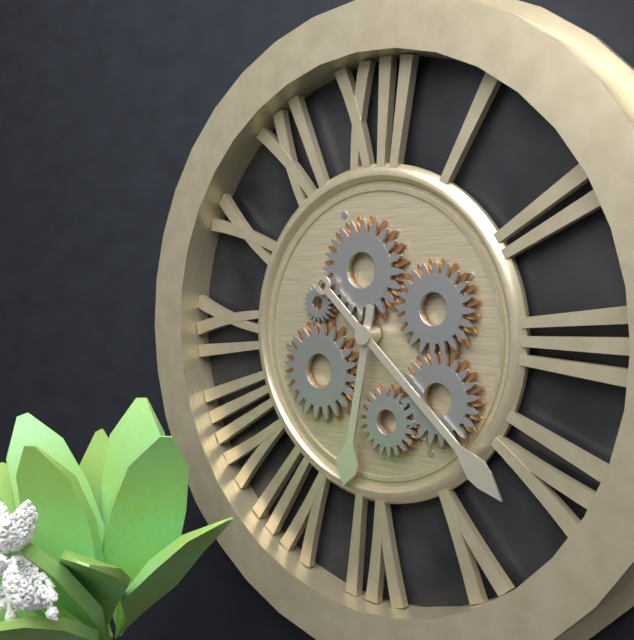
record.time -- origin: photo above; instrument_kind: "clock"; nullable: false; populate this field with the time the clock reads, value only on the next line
6:22
